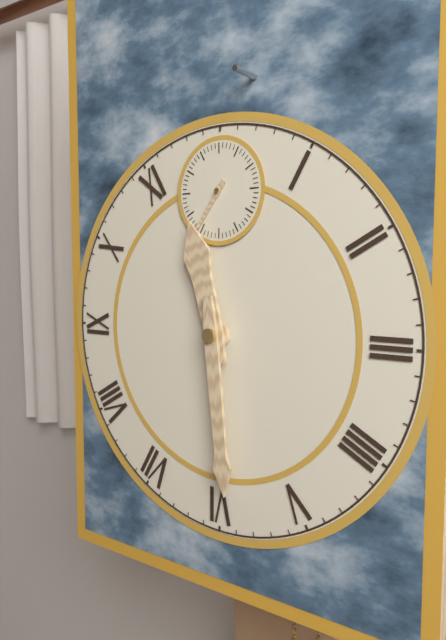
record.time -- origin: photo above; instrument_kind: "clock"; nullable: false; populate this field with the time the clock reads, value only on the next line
11:29:36
